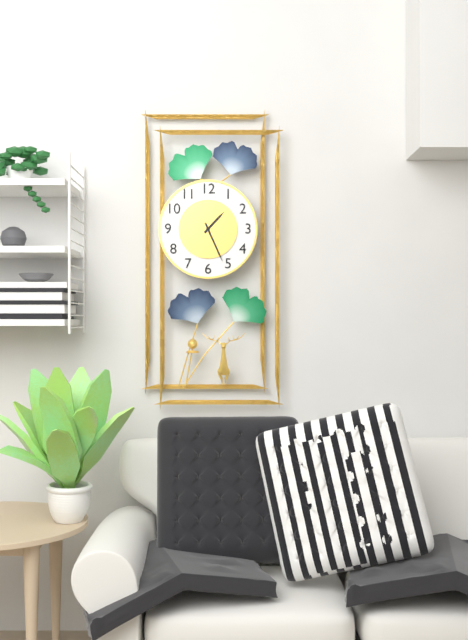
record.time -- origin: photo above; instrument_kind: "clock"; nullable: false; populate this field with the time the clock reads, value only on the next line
1:26
